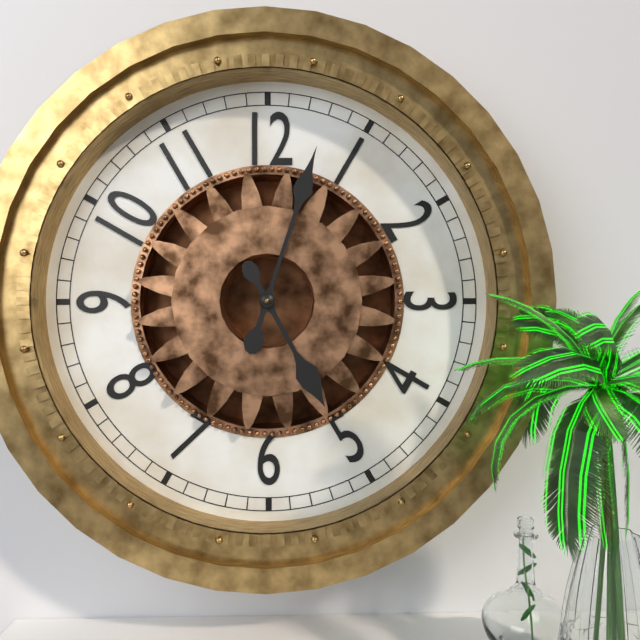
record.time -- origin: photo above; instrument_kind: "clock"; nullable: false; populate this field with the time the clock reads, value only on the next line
5:03
